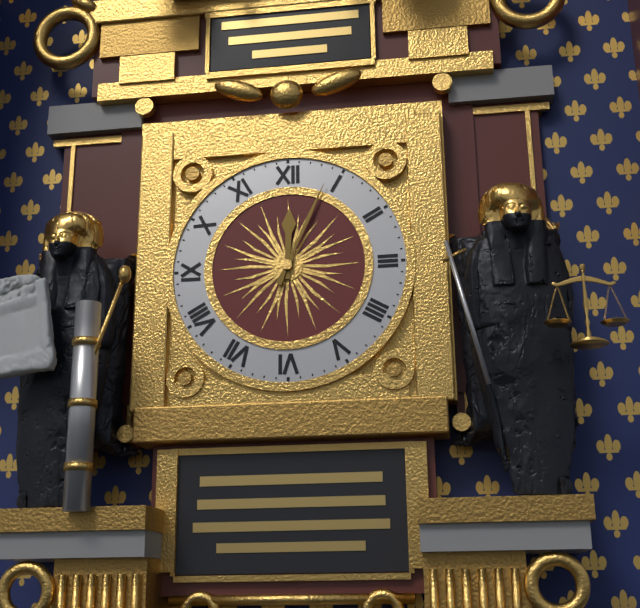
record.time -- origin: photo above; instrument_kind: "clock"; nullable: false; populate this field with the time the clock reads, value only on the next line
12:04
